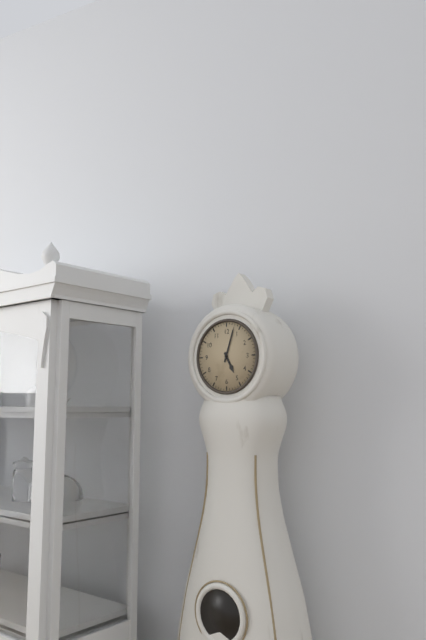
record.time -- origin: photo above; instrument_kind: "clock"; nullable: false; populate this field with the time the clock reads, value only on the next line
5:03
